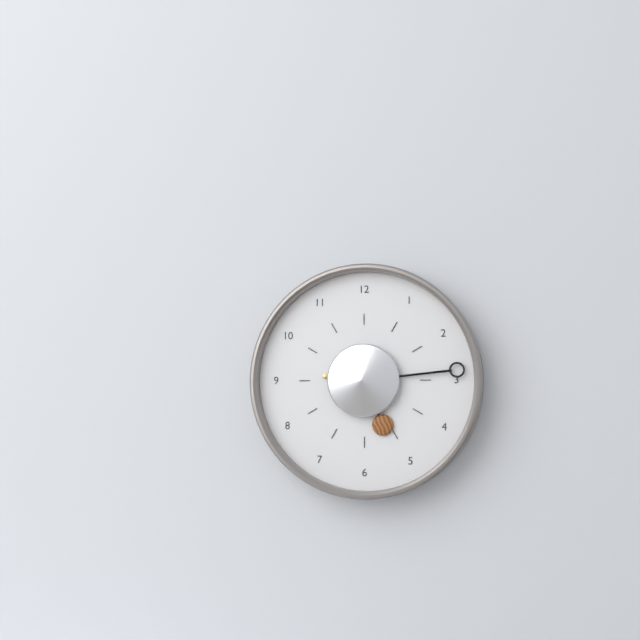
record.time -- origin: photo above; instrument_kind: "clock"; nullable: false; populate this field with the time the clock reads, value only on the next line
5:14
